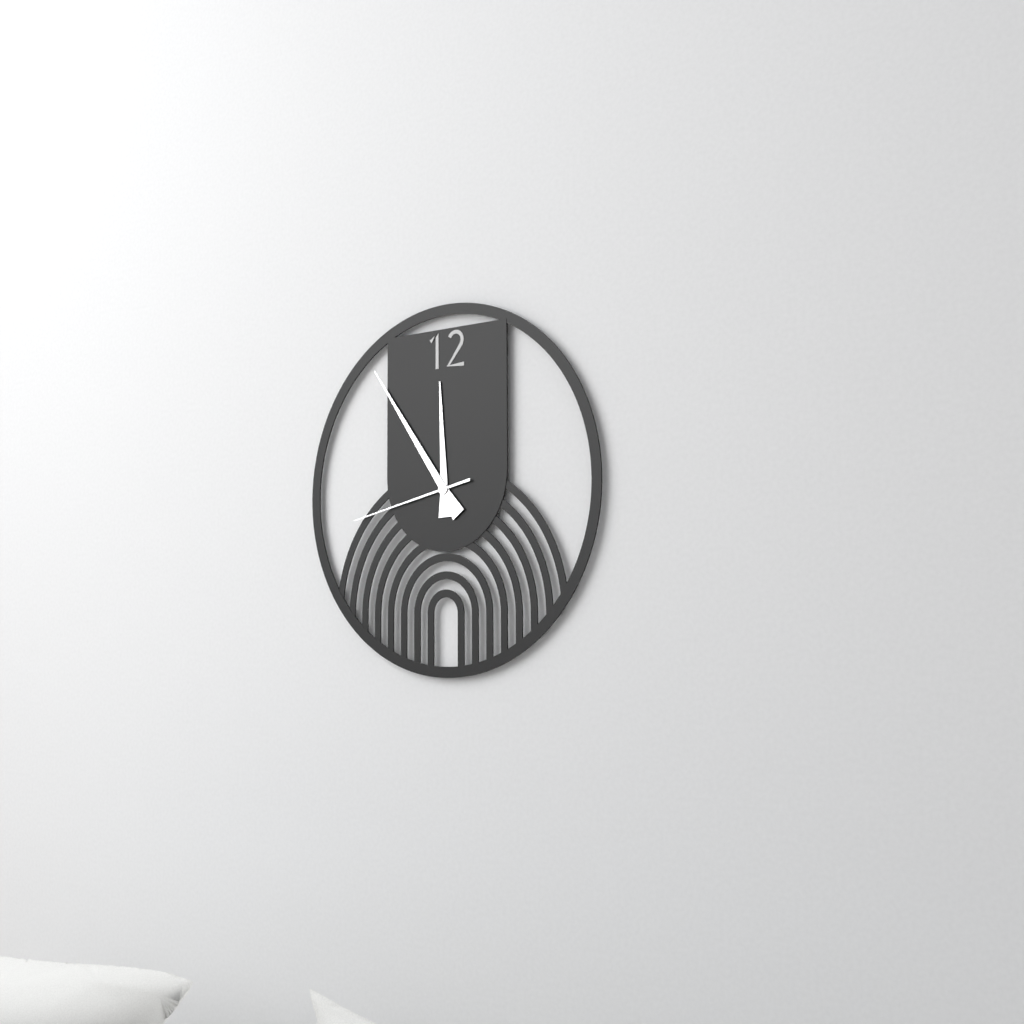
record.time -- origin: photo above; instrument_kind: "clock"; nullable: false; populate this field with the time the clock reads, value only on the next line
11:54:43
